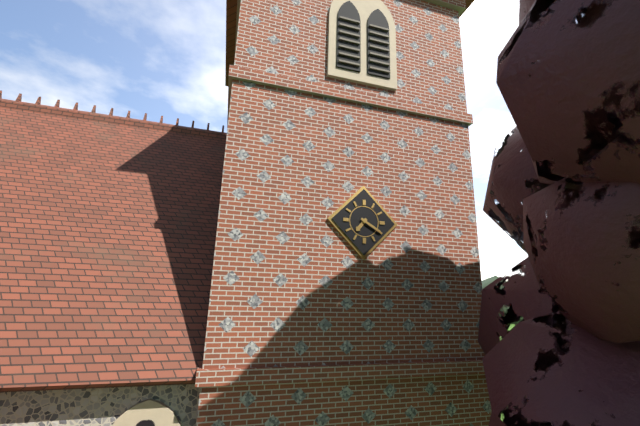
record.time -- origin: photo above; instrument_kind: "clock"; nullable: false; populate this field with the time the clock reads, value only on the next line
7:20
